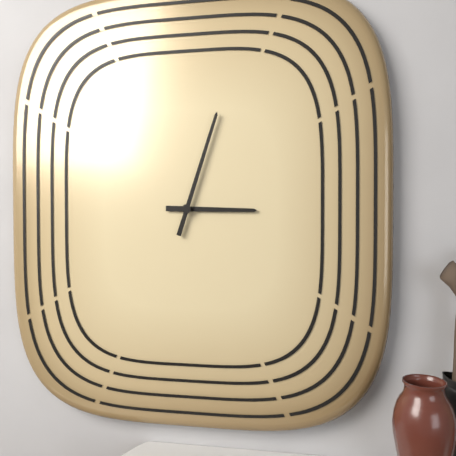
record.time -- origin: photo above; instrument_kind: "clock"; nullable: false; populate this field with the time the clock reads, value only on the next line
3:03
